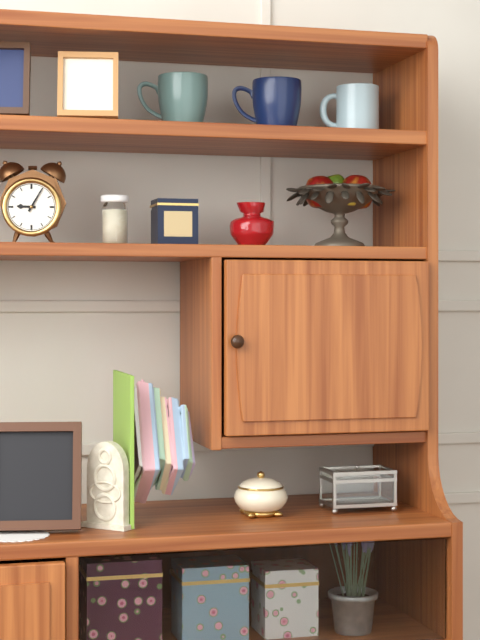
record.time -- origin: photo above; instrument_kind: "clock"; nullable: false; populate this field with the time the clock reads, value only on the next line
9:05
